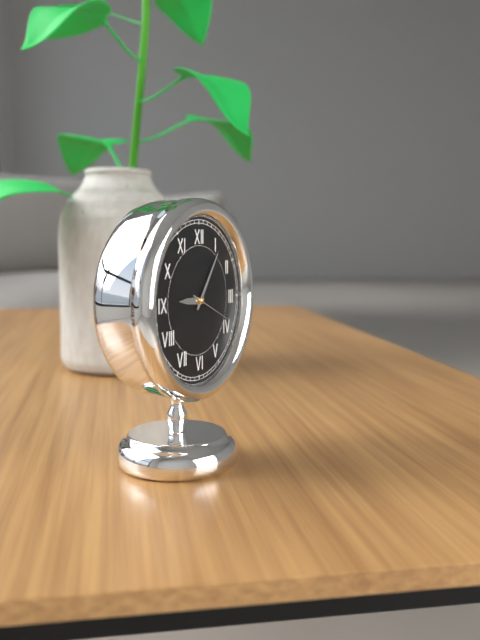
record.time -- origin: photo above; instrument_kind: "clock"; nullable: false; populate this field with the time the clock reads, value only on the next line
9:06
